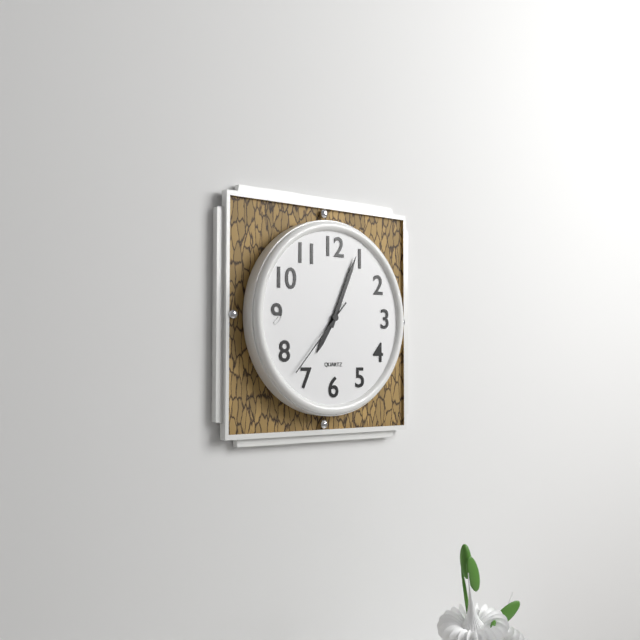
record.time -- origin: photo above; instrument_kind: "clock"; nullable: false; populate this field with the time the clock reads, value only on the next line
7:04:37
